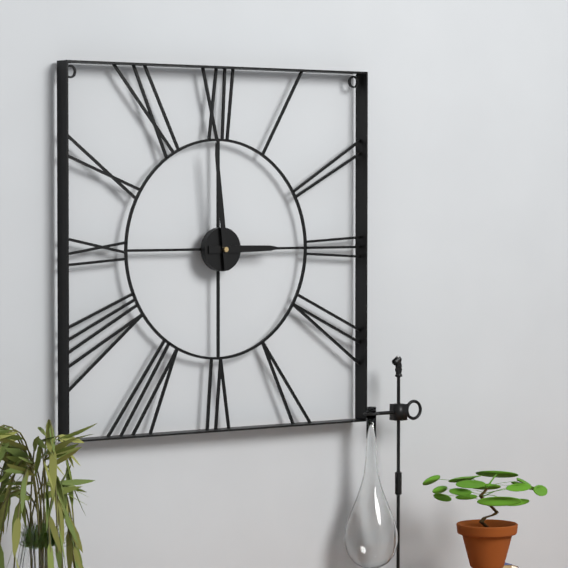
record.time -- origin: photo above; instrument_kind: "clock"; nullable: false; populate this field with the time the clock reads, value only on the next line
2:59
